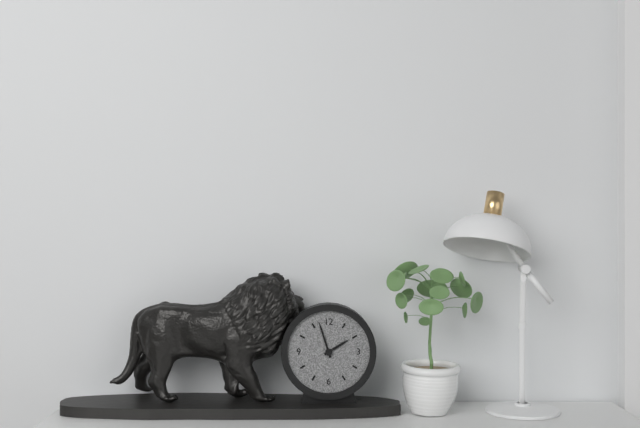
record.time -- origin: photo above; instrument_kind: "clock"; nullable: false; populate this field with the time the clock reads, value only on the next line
1:57
